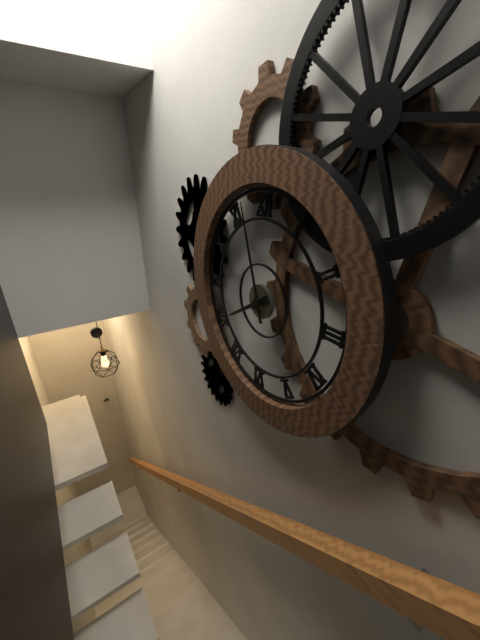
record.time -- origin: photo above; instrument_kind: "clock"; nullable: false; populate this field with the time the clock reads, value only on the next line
7:57
